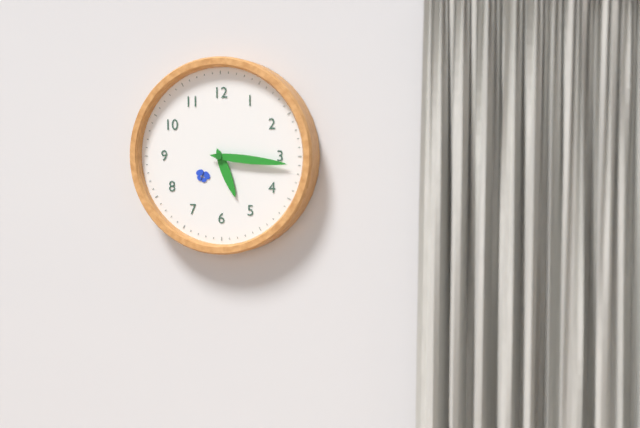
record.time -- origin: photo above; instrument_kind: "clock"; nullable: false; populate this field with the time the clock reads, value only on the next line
5:16
